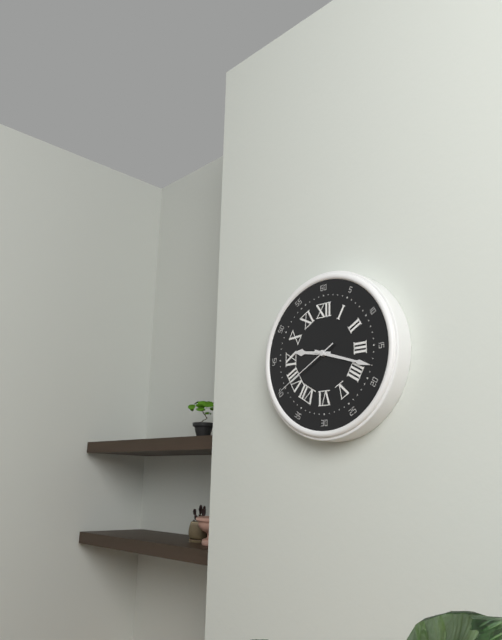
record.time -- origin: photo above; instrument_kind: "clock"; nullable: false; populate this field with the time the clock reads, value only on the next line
9:18:40
